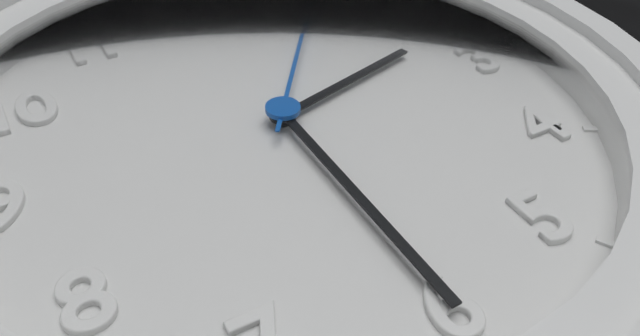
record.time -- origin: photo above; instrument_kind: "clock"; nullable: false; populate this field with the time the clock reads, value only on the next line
2:30
